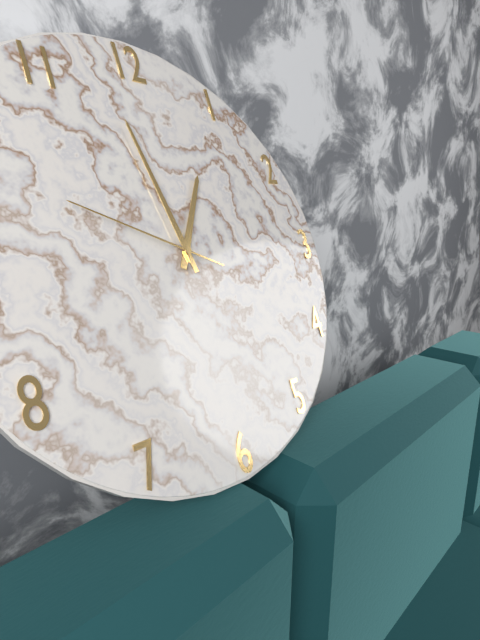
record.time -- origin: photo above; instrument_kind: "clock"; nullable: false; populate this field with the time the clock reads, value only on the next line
12:58:49
